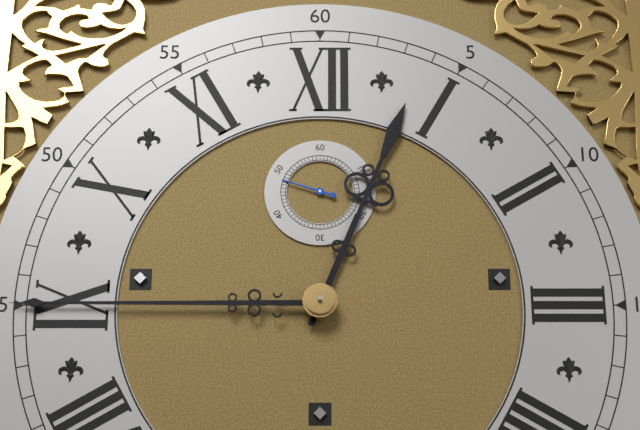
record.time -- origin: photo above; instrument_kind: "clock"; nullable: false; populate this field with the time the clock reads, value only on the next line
12:45:48
